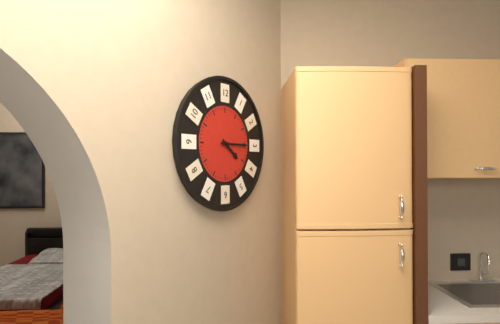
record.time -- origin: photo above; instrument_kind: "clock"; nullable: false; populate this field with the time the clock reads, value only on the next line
4:15
